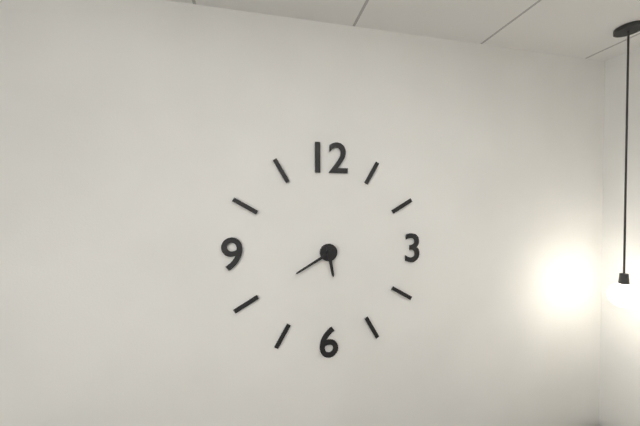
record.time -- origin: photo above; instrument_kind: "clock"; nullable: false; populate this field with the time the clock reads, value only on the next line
5:40
